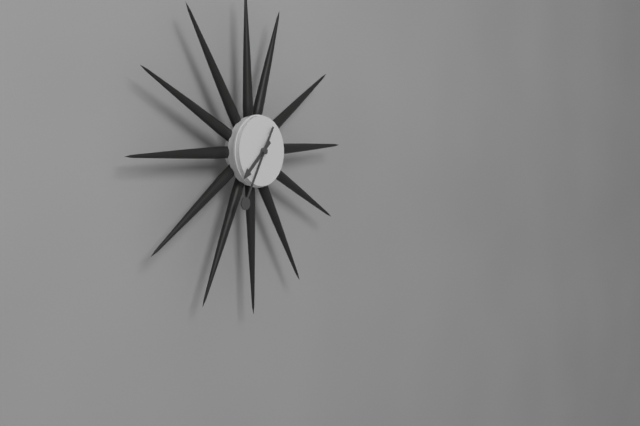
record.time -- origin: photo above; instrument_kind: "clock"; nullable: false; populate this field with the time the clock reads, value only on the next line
7:35
